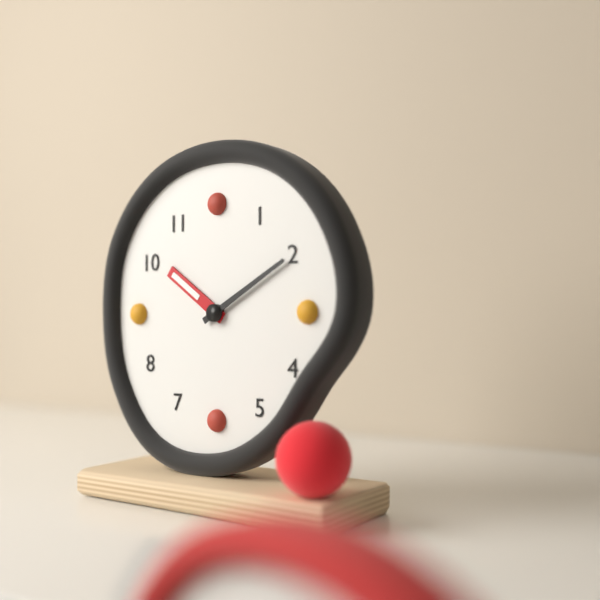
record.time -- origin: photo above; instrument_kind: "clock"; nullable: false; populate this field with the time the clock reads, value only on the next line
10:10
